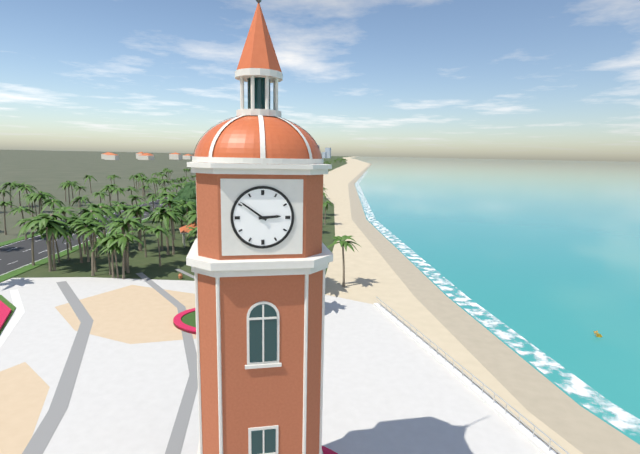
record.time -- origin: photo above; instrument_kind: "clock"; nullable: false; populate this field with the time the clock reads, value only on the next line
2:51
